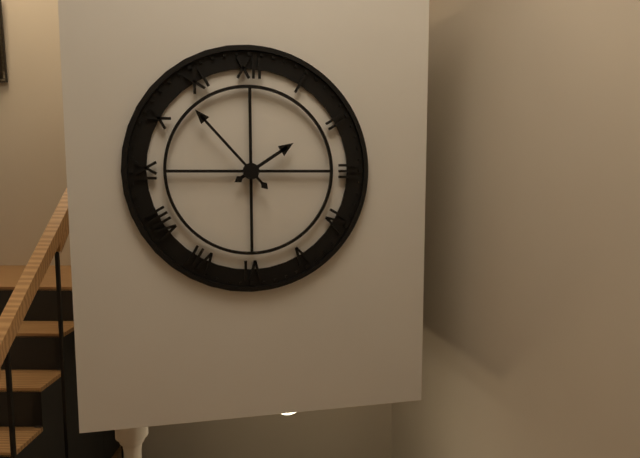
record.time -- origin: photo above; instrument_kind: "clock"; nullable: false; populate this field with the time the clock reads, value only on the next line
1:53
